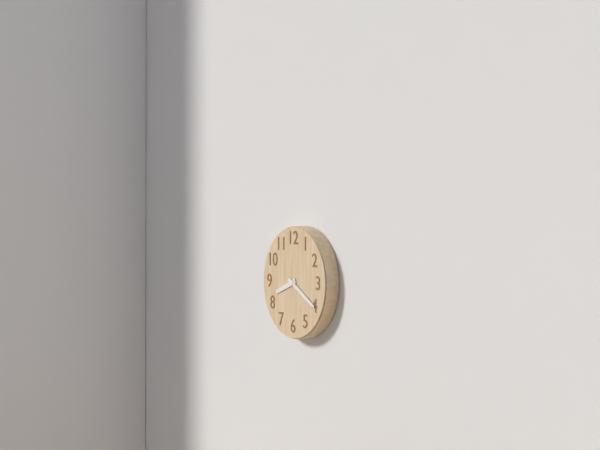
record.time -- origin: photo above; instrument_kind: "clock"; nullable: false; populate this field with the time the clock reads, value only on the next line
8:20
